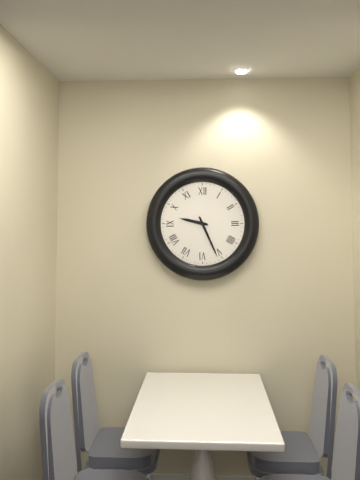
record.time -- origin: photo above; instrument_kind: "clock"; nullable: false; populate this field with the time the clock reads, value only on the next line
9:26
